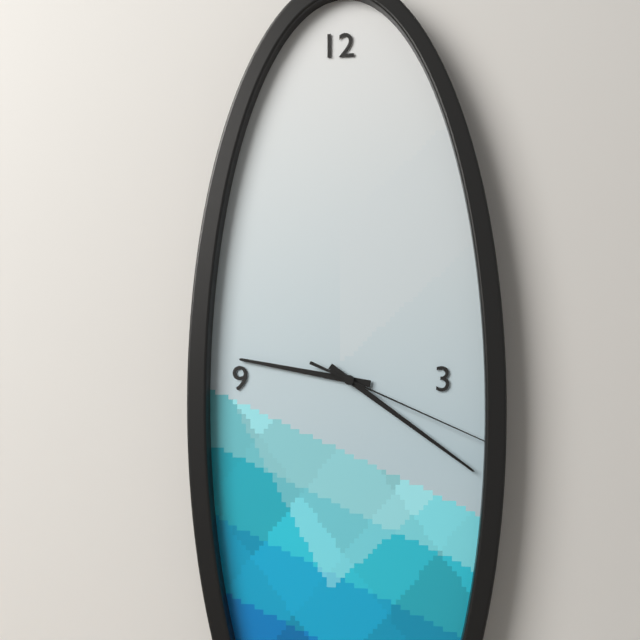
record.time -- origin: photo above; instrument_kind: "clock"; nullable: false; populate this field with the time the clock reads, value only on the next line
9:21:19
